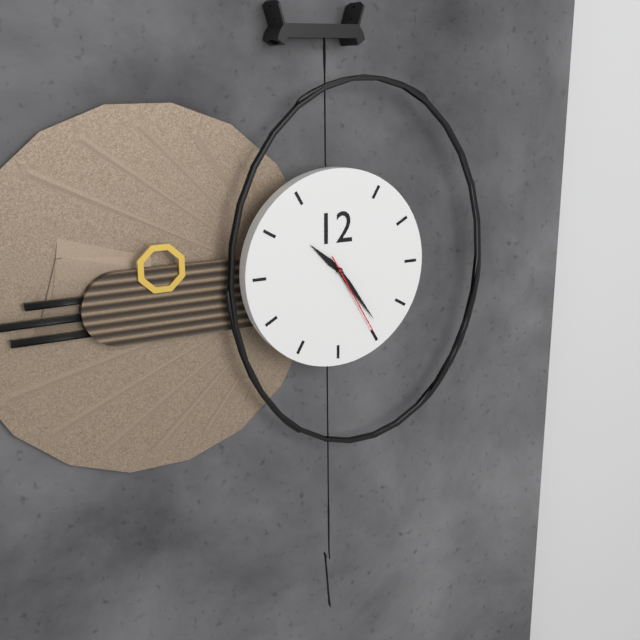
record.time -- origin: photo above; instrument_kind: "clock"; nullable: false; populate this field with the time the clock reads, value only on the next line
10:24:25
